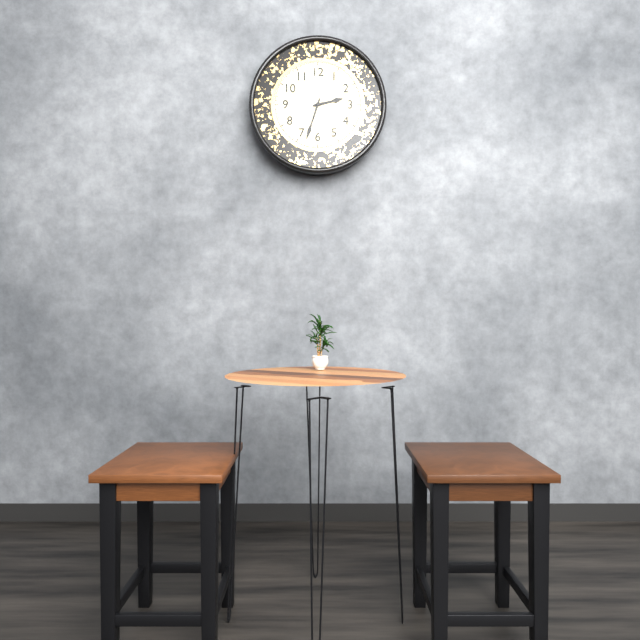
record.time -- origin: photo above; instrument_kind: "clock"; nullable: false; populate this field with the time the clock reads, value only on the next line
2:33
